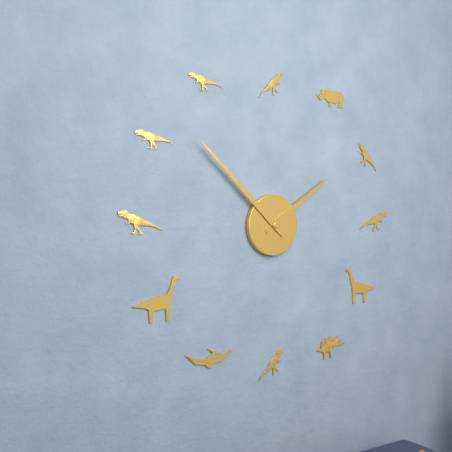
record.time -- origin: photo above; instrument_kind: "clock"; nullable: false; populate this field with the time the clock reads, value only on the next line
1:52
